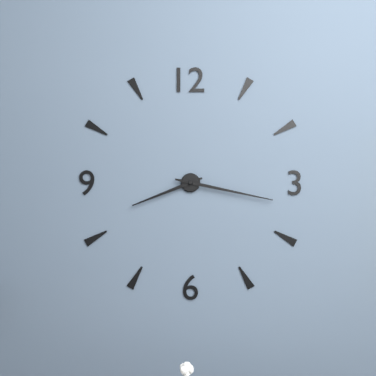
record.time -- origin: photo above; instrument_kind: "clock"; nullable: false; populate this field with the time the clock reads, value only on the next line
8:17
